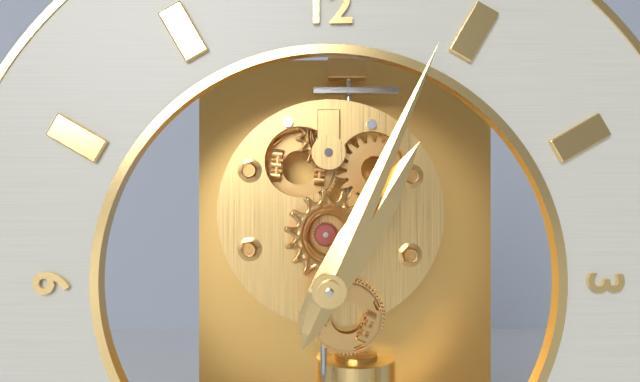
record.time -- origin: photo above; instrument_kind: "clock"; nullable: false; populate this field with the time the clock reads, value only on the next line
1:04
